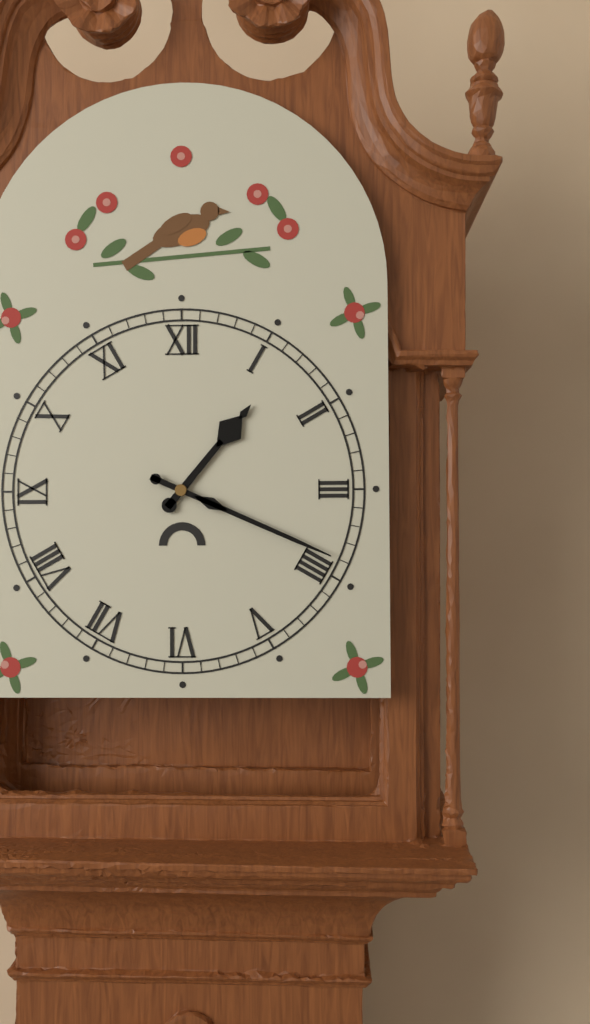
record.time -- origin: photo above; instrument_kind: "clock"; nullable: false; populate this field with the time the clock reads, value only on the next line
1:19
